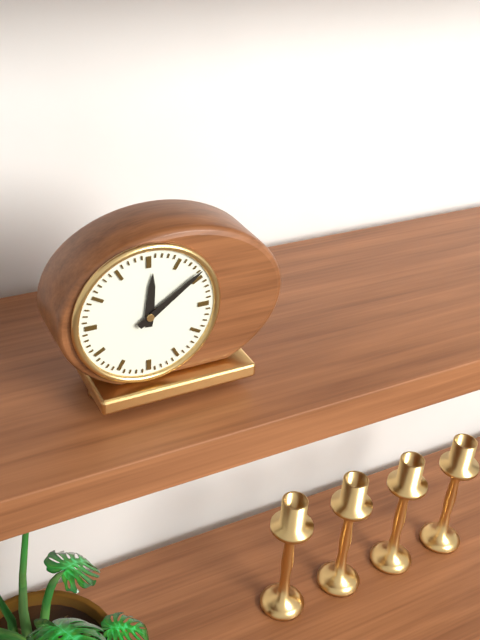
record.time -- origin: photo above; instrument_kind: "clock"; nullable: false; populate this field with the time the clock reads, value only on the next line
12:09
